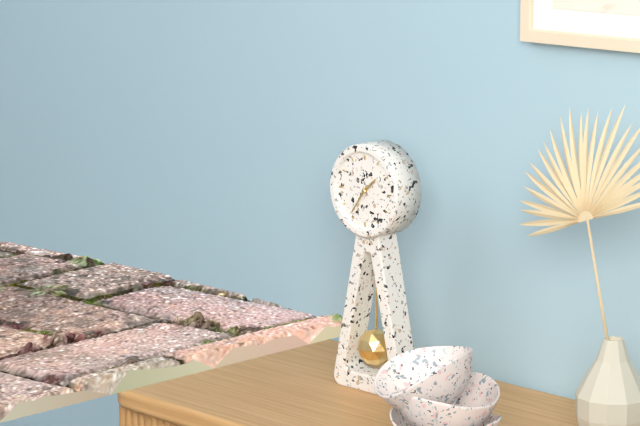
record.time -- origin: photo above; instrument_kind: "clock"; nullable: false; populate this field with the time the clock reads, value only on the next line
1:36
